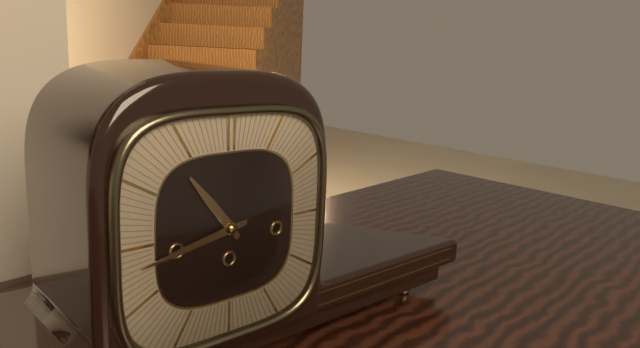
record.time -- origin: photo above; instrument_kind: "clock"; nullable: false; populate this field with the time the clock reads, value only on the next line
10:43
